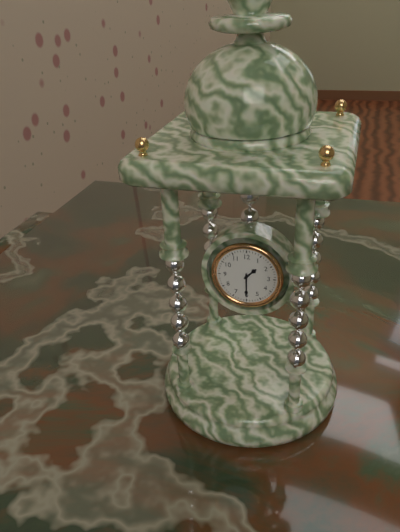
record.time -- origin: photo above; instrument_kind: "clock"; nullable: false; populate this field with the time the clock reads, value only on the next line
1:30
